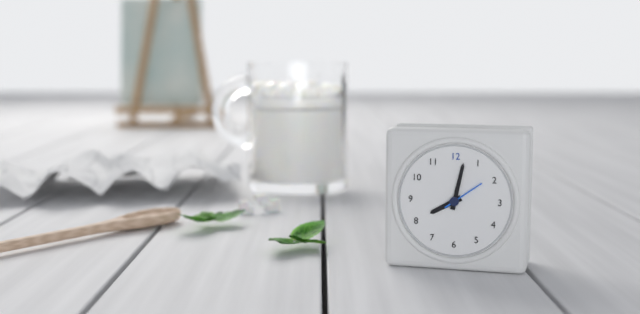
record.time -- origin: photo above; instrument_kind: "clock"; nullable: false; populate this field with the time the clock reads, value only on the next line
8:02
